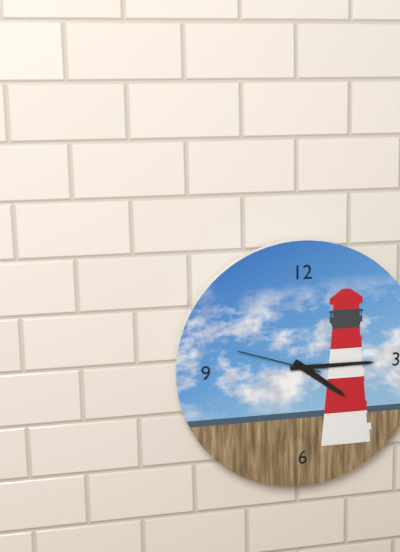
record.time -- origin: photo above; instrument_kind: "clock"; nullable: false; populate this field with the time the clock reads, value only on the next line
4:15:48
